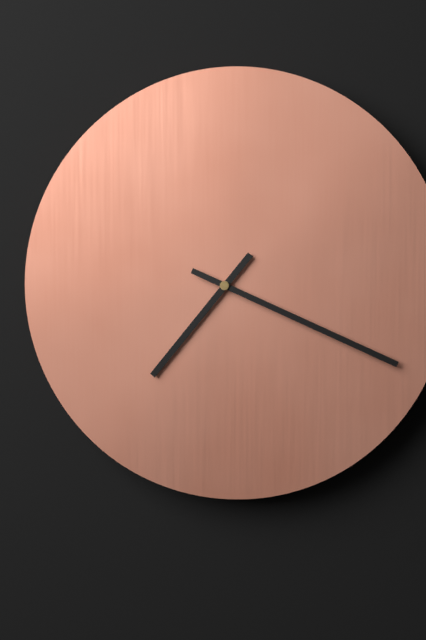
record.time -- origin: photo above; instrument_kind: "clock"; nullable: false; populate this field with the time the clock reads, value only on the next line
7:19
